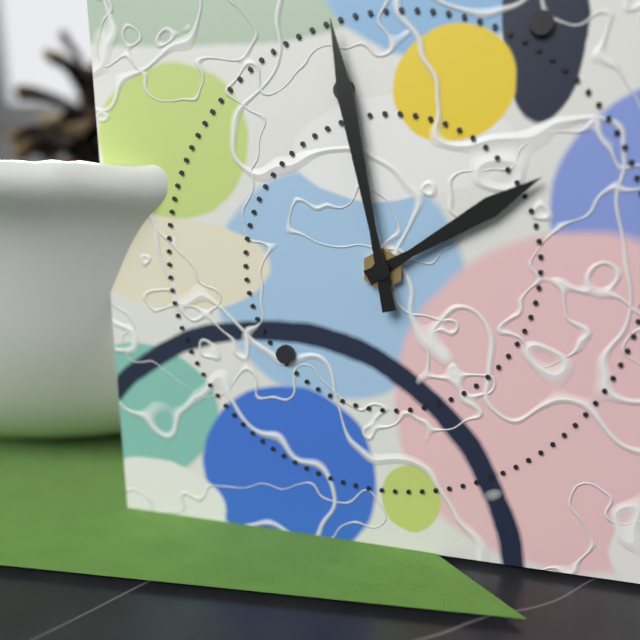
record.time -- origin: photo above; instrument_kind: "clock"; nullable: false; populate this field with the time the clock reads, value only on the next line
1:58
